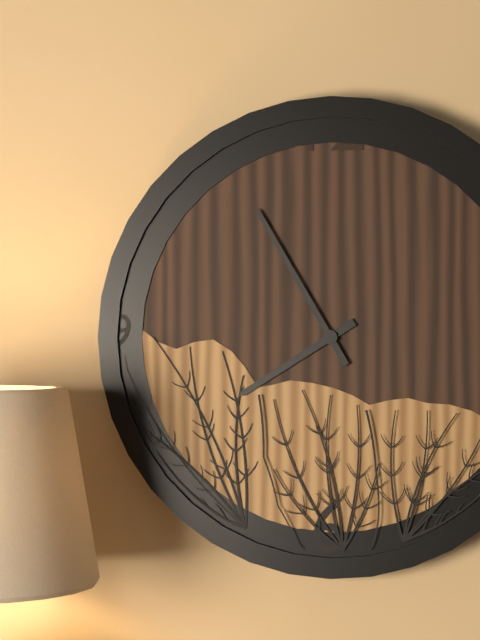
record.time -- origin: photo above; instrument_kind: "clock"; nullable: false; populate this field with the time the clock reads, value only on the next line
7:55
